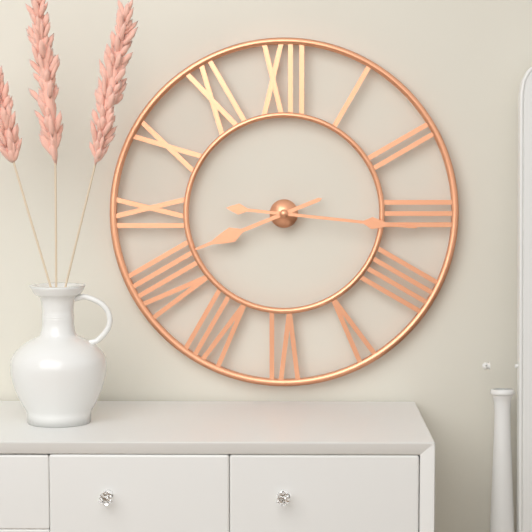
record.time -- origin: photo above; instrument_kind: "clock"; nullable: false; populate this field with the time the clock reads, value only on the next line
8:16
